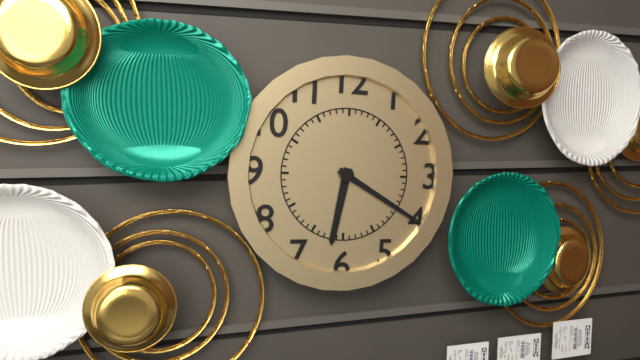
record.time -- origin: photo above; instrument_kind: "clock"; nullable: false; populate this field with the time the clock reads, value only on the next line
6:20
